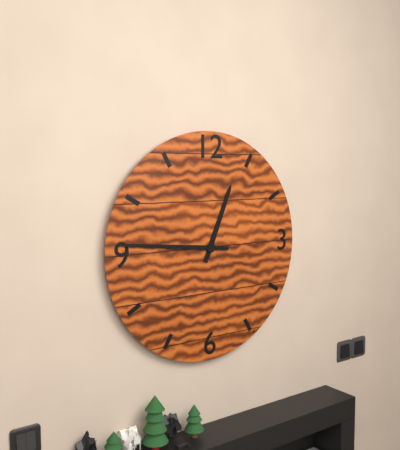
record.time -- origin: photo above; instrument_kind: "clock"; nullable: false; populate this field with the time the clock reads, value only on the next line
12:46
